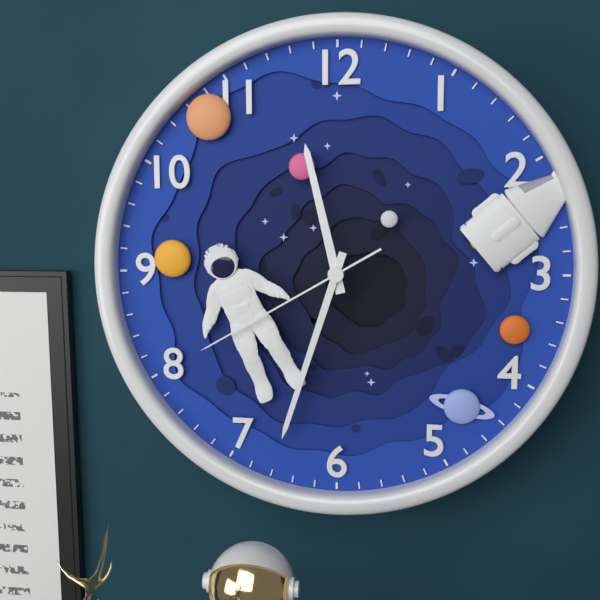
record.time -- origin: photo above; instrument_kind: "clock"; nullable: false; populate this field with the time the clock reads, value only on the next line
11:33:40
